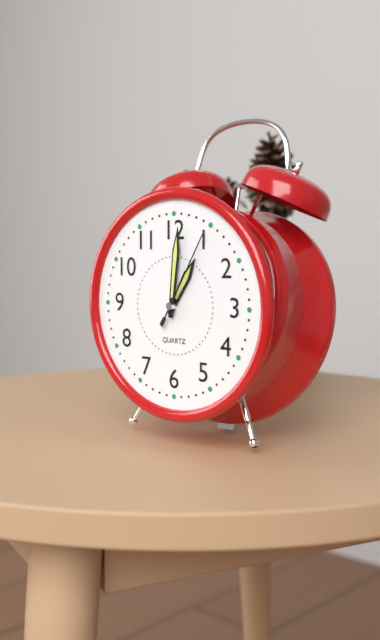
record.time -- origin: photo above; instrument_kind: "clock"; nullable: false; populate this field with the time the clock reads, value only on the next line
1:01:05
